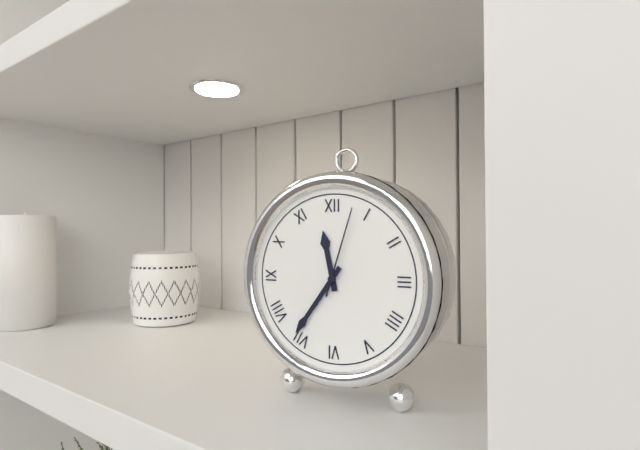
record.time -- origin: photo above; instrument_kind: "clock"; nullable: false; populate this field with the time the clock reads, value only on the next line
11:36:03
